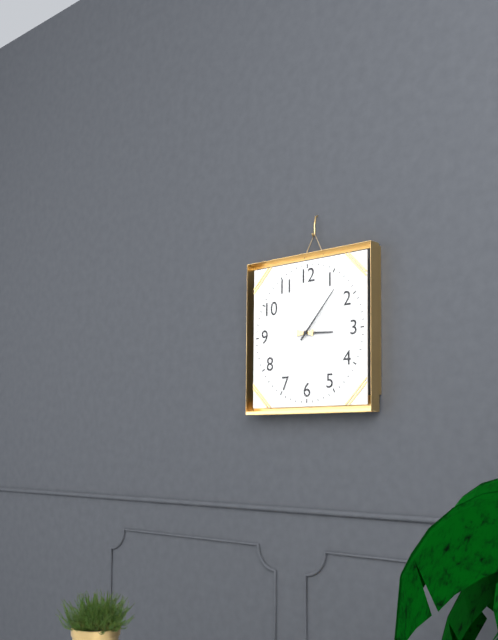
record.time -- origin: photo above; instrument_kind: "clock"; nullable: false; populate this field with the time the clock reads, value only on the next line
3:07
